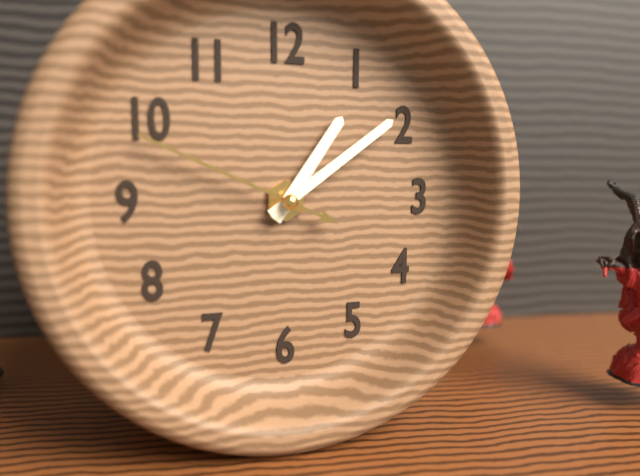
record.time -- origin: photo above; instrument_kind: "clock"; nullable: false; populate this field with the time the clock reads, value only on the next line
1:09:49
